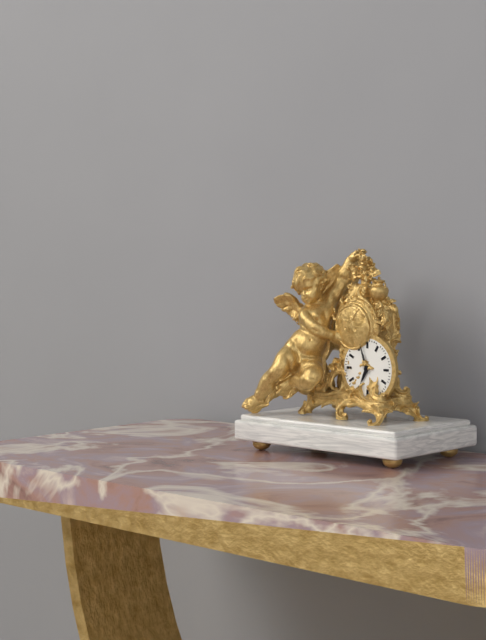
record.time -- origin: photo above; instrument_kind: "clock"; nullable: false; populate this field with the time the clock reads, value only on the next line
6:57
